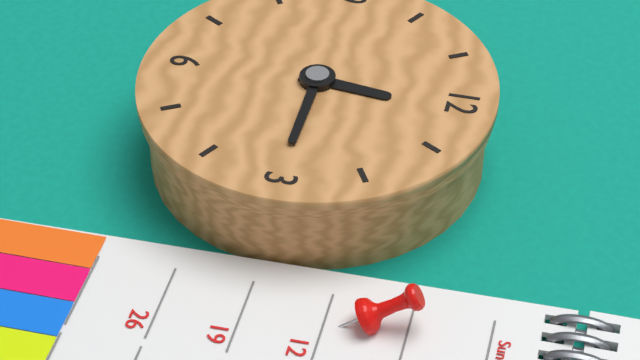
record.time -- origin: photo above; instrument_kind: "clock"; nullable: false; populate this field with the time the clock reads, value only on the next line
12:15
